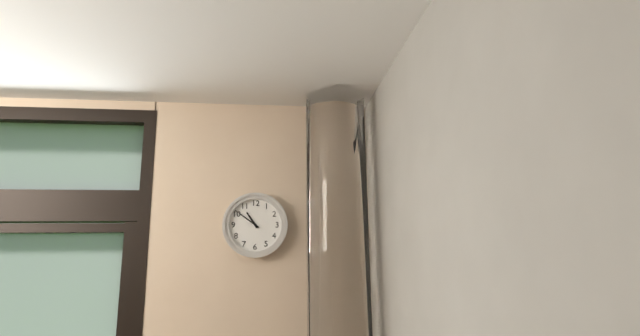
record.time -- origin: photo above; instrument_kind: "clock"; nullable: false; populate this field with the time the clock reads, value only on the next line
10:51
